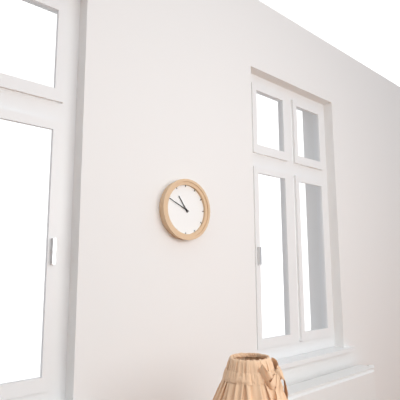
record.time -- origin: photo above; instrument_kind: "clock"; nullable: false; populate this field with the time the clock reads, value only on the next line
10:49
